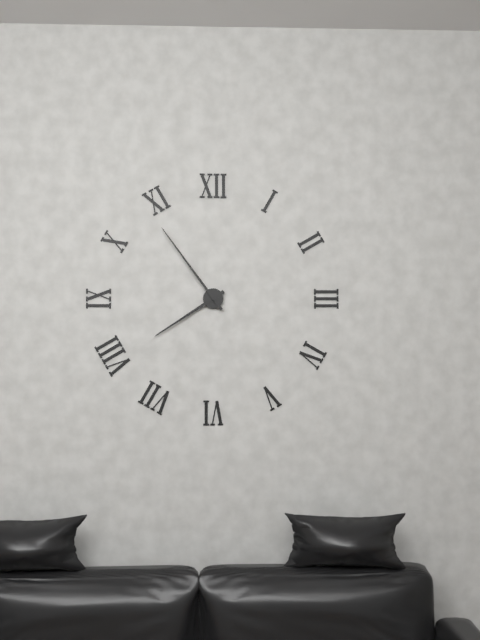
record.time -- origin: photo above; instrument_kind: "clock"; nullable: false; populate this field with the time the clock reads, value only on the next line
7:54
